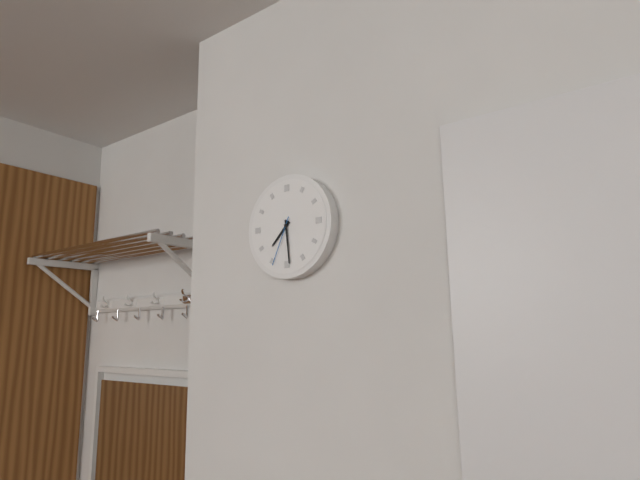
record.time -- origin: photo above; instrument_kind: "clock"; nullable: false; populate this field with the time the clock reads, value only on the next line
7:29:34
